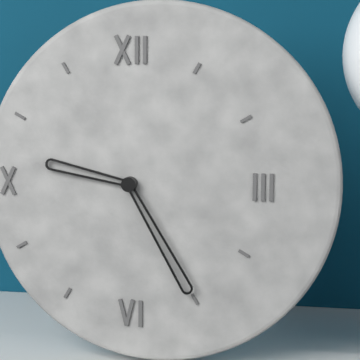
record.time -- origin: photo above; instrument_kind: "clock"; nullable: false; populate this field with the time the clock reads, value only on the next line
9:25
